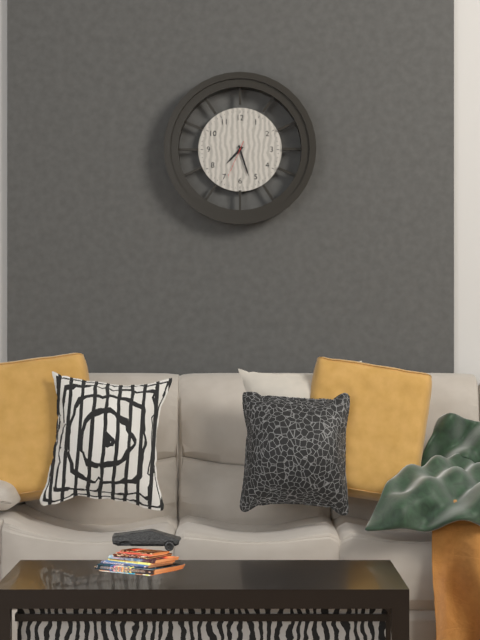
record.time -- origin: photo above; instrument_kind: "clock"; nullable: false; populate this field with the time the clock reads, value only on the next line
7:27
